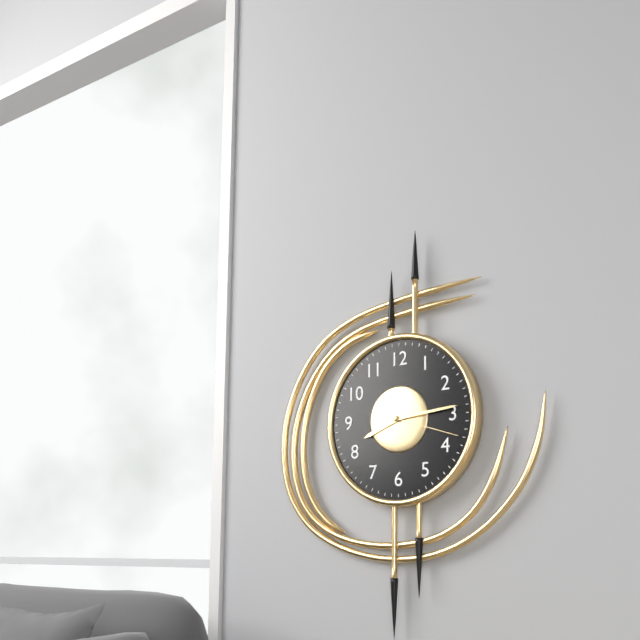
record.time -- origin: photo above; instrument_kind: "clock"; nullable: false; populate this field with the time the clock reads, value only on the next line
8:14:18
